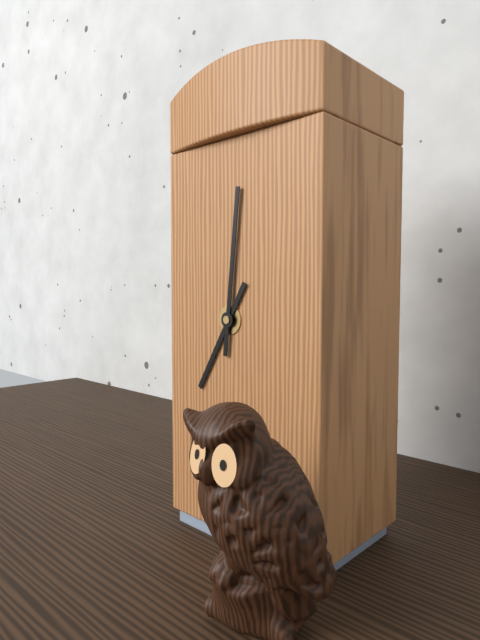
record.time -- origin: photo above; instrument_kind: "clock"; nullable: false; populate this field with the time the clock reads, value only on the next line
7:01
